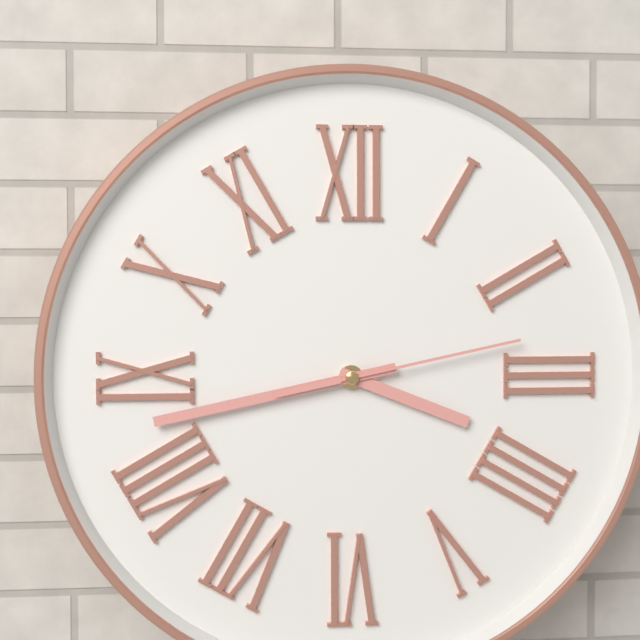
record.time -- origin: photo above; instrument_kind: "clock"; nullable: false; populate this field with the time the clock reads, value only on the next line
3:43:13
